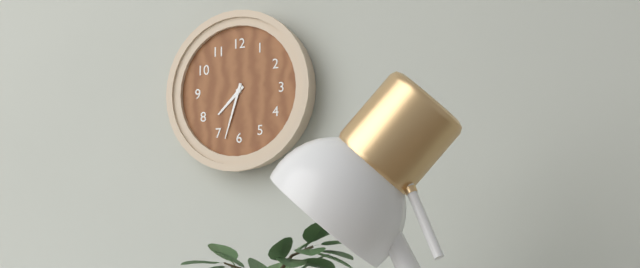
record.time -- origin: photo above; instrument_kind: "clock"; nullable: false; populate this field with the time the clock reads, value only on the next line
7:33
